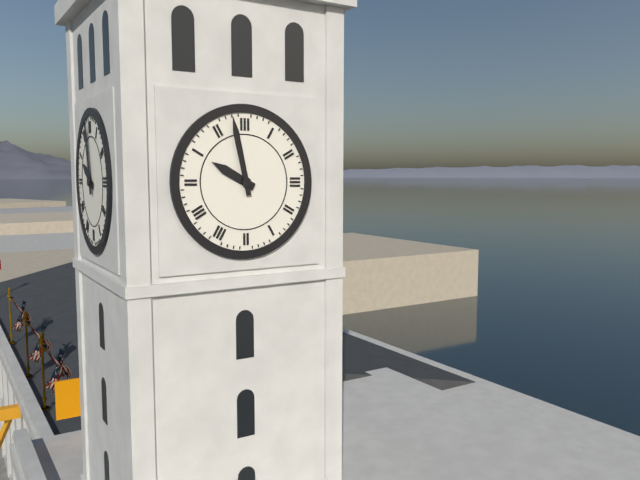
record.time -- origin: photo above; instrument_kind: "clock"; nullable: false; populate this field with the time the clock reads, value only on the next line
9:58
